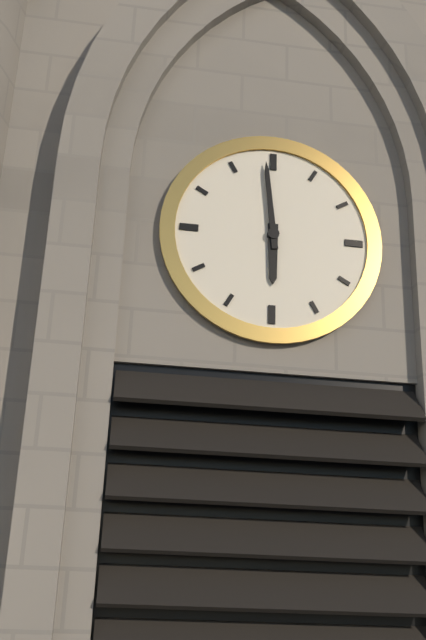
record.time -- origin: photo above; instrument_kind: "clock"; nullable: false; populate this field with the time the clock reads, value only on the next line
5:59
